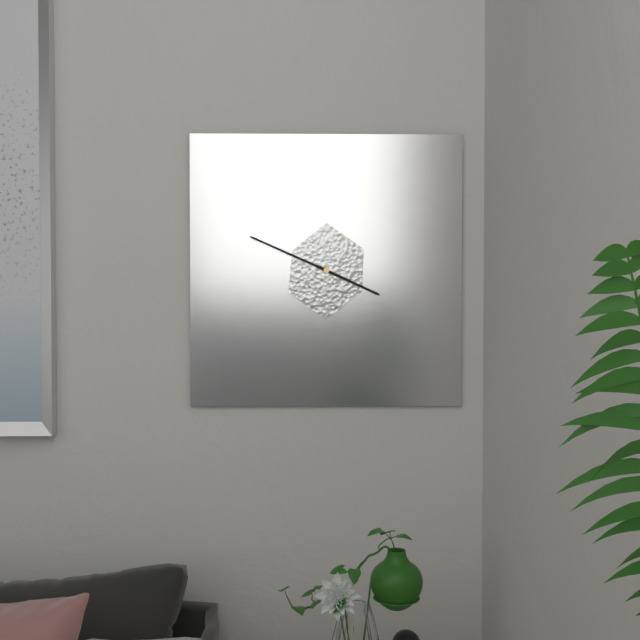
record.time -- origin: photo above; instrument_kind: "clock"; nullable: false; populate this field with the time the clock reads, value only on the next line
3:49
